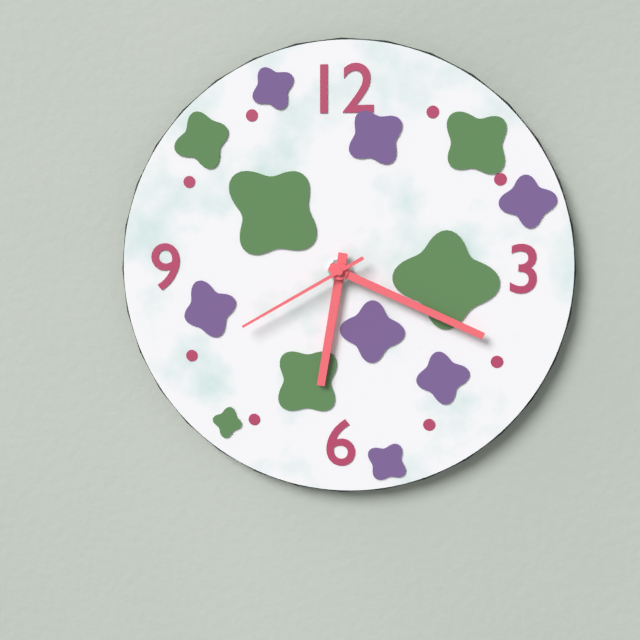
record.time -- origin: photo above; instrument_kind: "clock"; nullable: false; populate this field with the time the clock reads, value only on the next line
6:19:40
